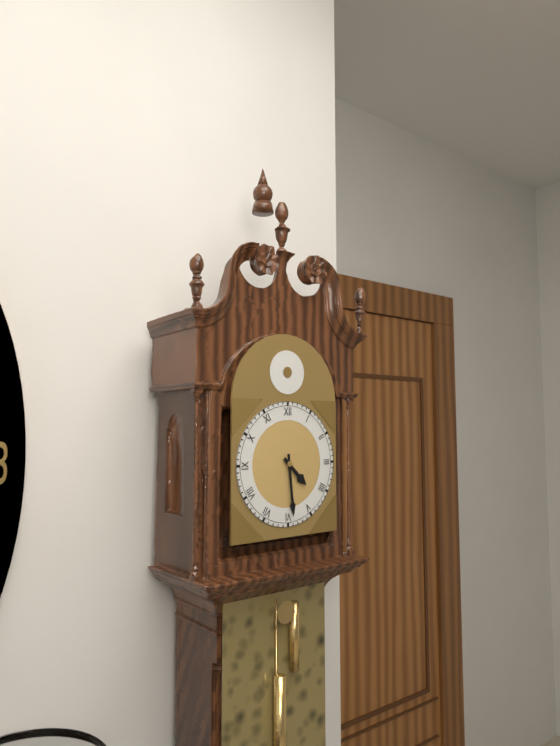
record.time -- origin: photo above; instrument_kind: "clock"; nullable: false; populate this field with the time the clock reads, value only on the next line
4:29
